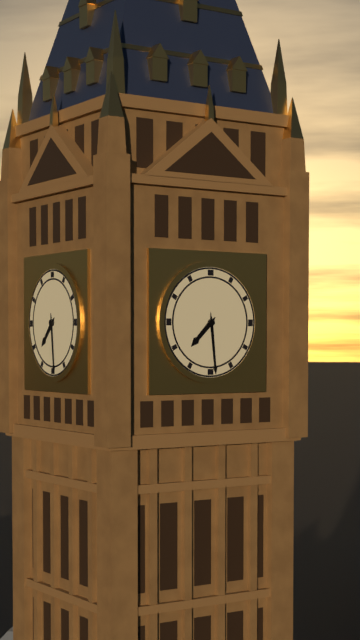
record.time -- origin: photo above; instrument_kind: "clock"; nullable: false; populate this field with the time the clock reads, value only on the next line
7:29
